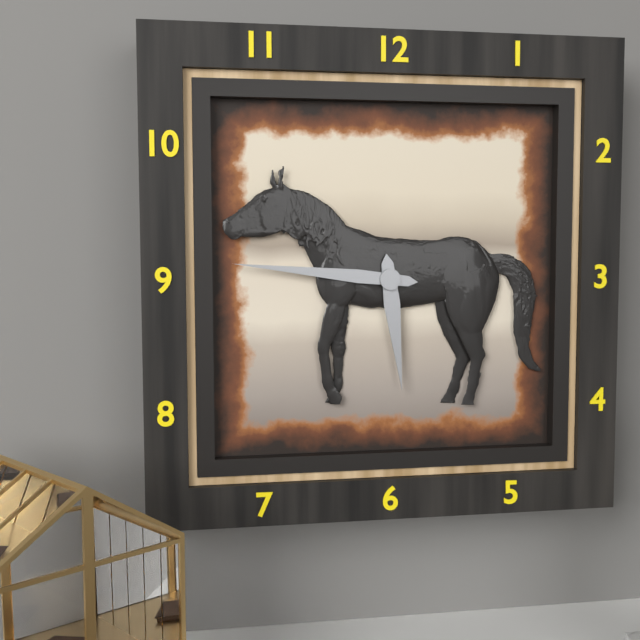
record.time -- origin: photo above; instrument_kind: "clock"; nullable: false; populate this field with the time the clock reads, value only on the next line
5:46
